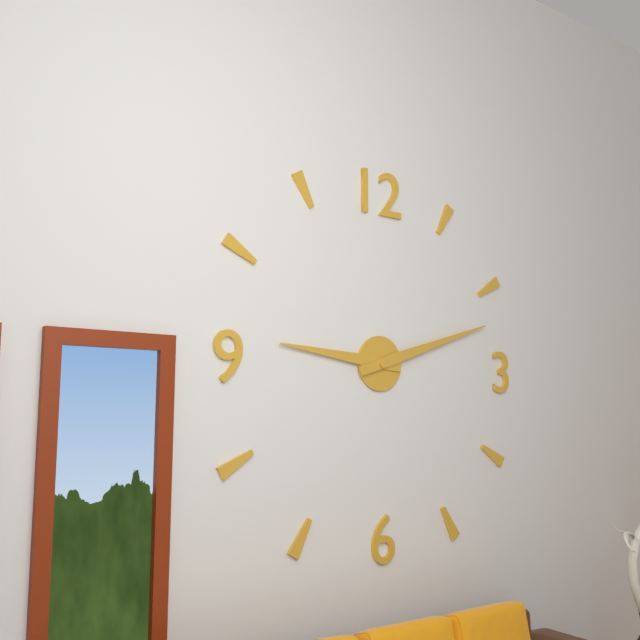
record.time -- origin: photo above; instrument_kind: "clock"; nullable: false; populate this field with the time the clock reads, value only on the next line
9:12
